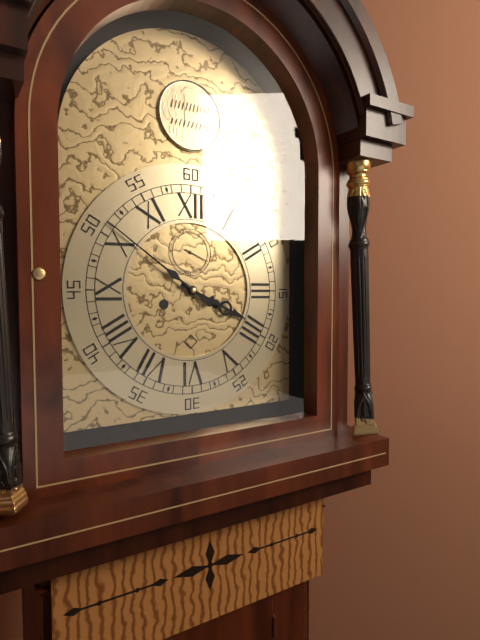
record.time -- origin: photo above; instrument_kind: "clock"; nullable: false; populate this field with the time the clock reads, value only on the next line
3:51
